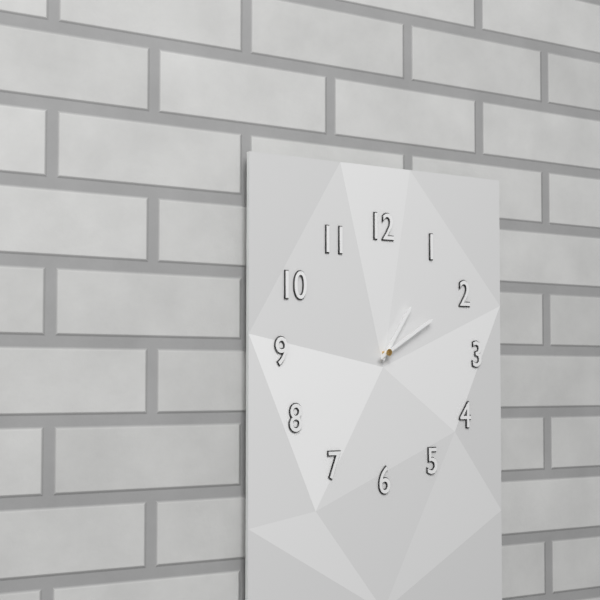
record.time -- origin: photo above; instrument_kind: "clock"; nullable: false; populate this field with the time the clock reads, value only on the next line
1:10
